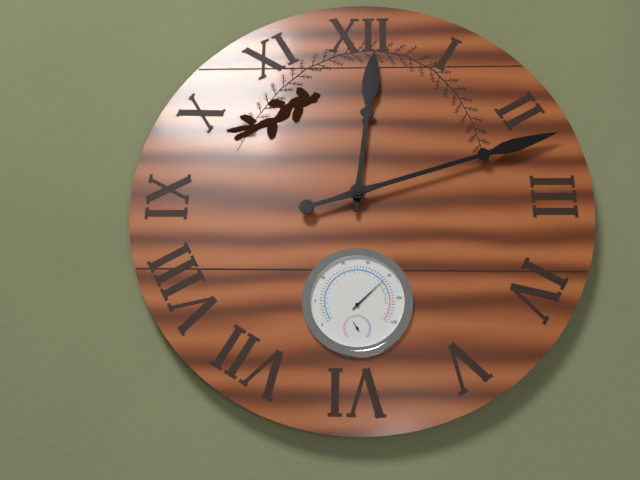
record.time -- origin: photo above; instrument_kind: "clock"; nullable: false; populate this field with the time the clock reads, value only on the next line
12:12
